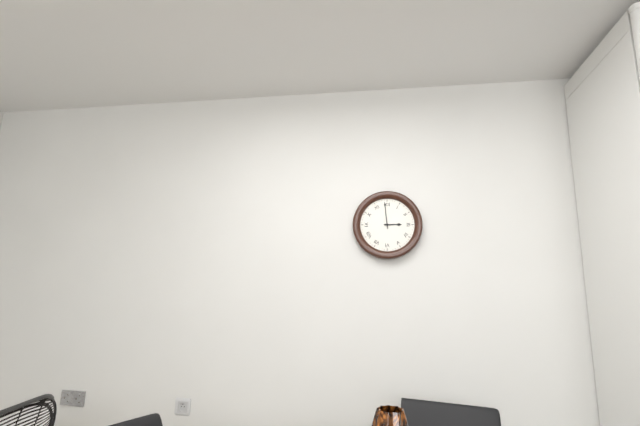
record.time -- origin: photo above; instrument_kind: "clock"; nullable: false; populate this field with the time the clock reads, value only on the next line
2:59
